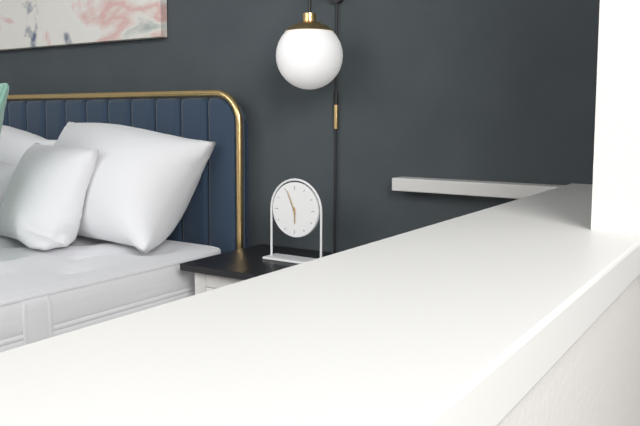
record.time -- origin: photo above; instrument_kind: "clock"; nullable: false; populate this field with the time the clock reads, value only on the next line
5:56
